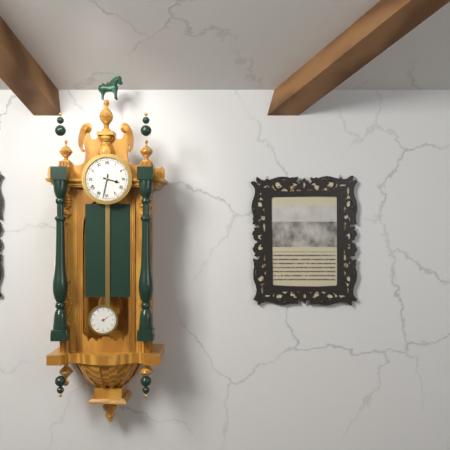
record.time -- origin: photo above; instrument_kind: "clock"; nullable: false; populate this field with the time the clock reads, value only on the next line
3:32
